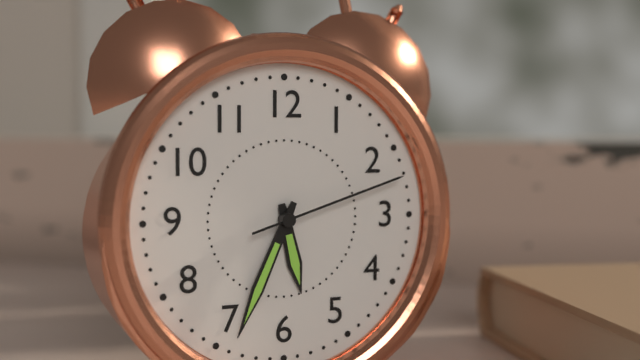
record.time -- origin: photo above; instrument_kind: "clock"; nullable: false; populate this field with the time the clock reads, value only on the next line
5:34:12
